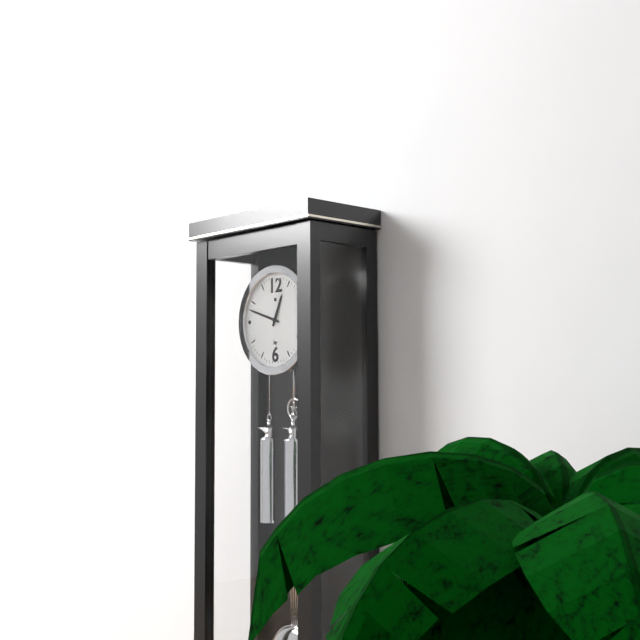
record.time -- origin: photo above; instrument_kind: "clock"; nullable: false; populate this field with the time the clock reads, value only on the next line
12:48
